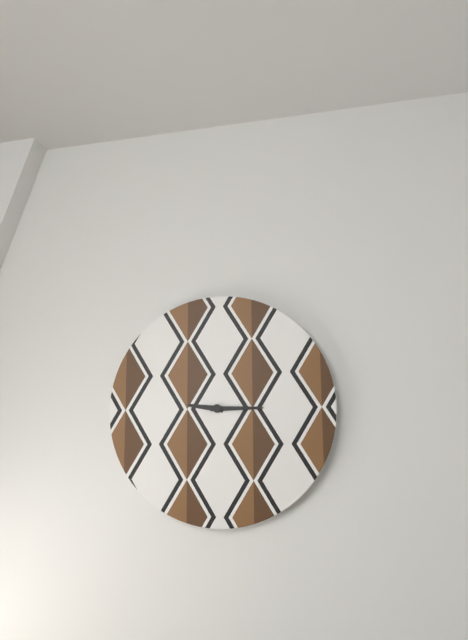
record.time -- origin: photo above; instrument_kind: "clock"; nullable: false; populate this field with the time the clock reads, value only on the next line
9:15
